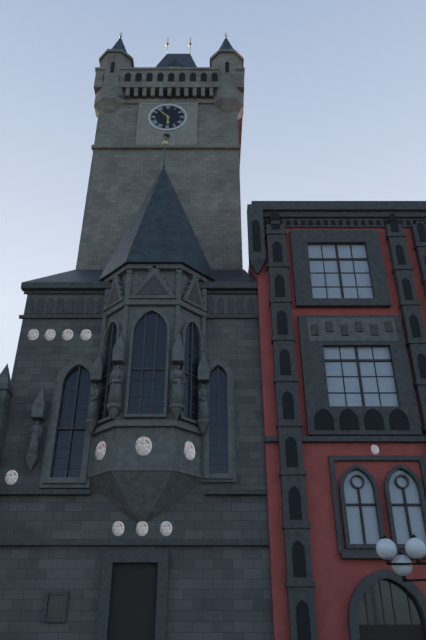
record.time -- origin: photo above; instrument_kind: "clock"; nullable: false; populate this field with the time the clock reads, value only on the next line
5:53
